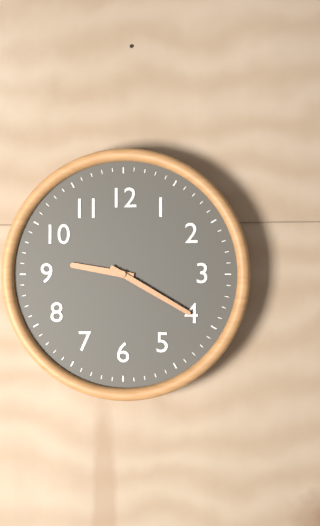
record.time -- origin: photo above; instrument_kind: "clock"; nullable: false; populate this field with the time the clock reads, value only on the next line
9:20
